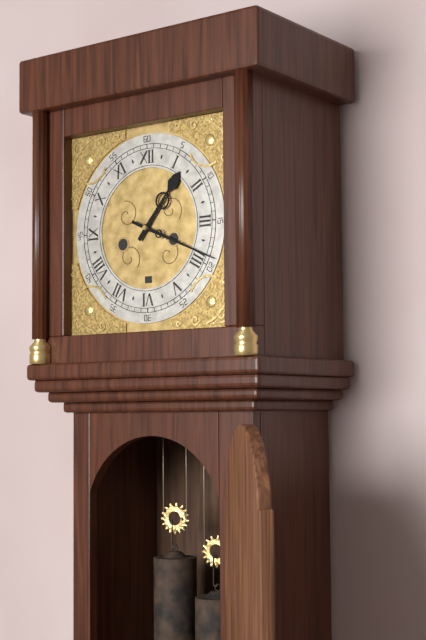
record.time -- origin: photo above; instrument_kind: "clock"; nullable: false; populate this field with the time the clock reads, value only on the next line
1:19
